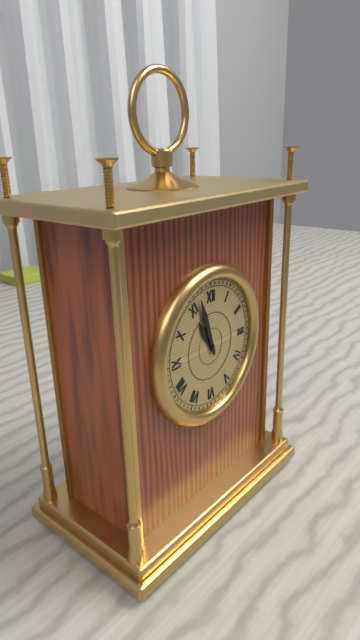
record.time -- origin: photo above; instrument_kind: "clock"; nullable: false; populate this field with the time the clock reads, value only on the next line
10:57
